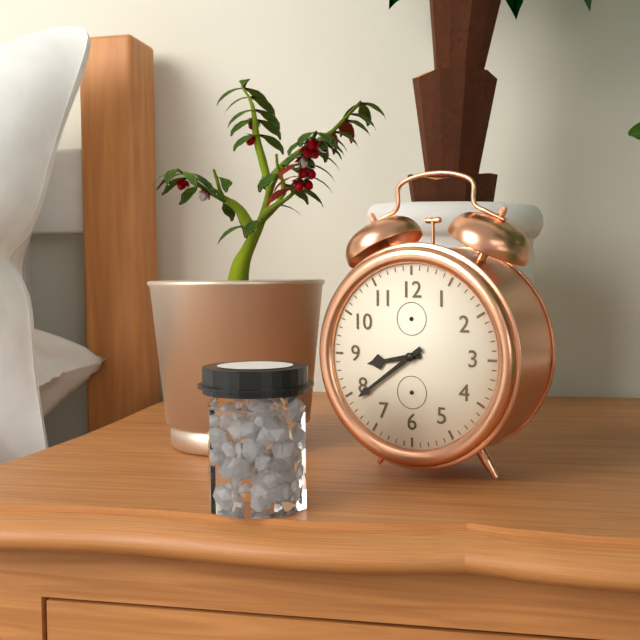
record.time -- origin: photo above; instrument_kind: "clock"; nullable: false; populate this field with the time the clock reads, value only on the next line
8:39
